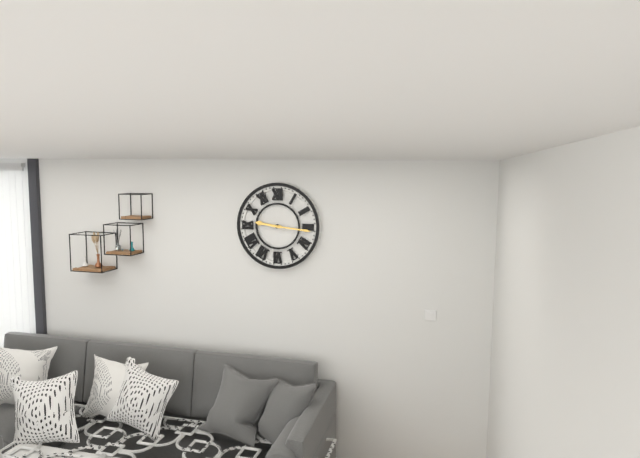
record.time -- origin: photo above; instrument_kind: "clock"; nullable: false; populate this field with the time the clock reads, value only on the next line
9:16
